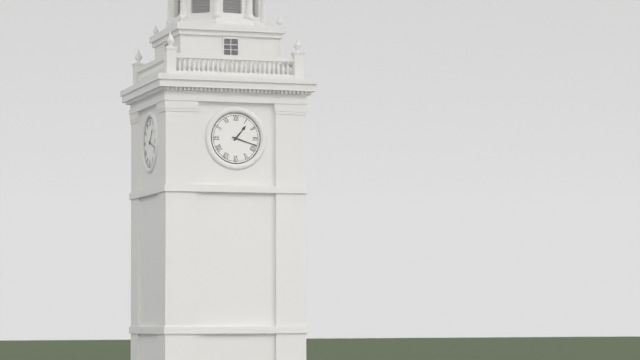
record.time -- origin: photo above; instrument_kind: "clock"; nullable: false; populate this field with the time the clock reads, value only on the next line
1:18
